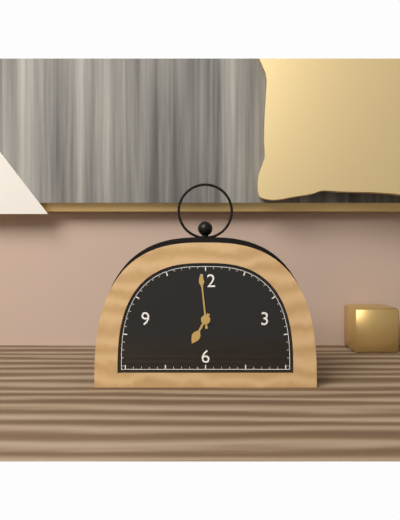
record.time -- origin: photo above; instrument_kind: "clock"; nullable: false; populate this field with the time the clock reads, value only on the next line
6:59
